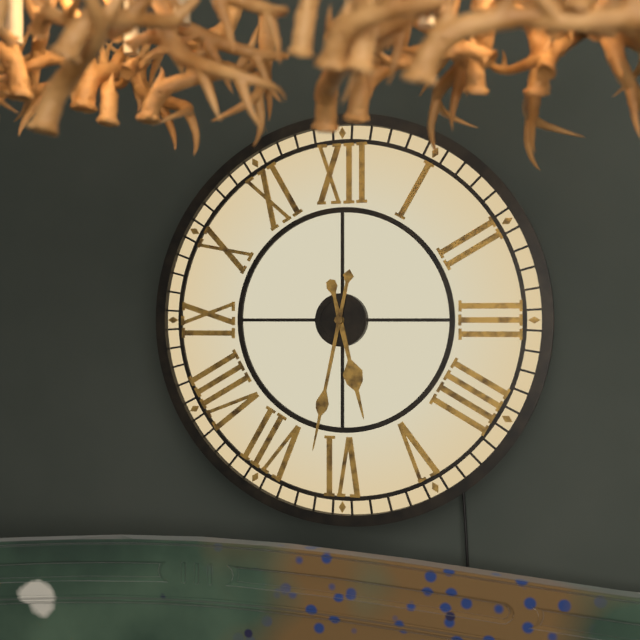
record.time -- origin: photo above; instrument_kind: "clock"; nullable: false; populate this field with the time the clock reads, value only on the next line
5:32
